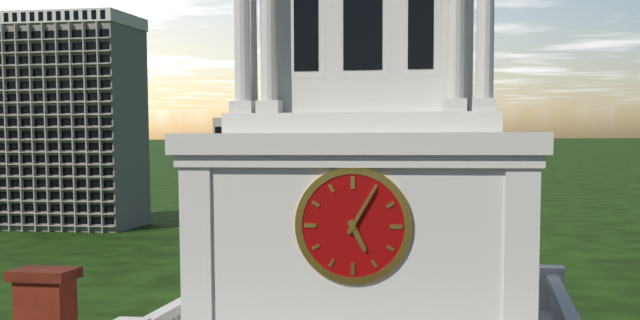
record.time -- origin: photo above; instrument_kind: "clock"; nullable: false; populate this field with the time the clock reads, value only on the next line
5:05
